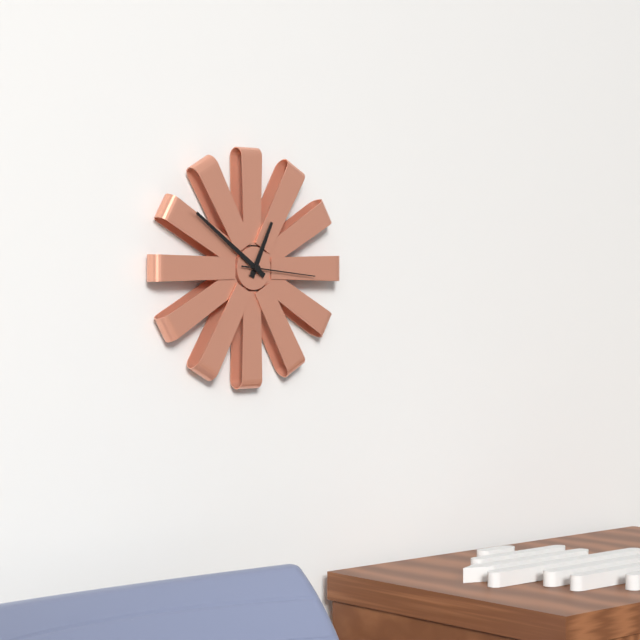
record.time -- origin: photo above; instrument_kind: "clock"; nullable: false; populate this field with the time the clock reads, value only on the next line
12:51:16
